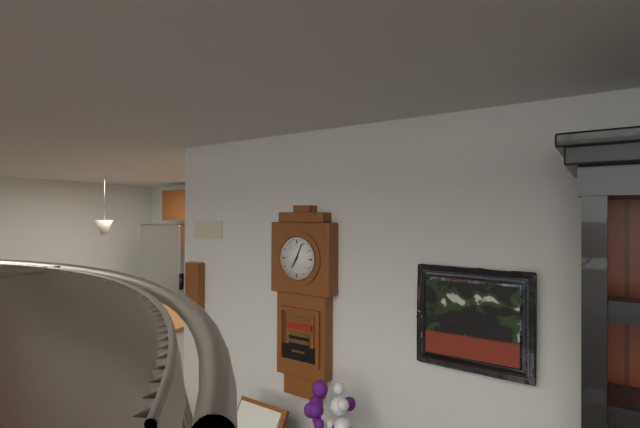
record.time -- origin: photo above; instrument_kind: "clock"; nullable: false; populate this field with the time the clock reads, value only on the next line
7:04
